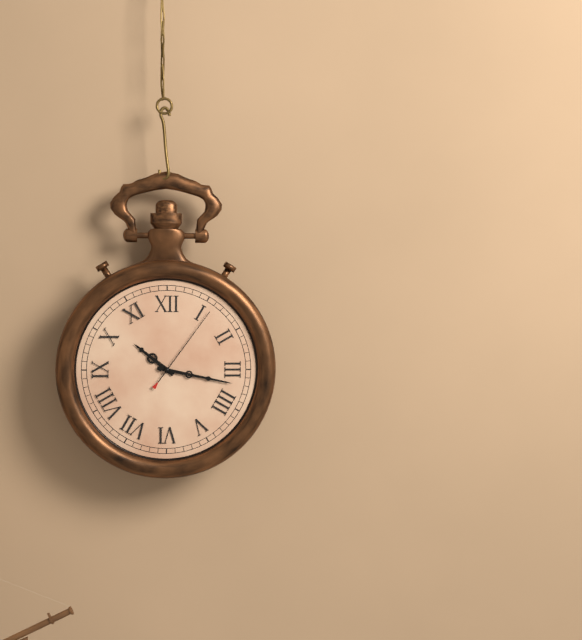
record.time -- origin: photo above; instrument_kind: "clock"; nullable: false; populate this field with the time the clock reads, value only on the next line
10:17:06
